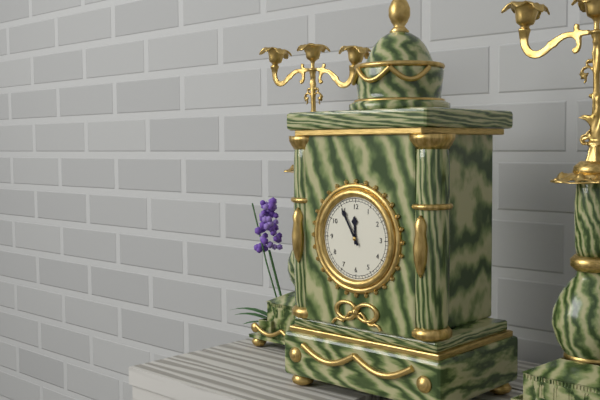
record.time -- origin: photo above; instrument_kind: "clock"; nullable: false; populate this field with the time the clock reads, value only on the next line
11:55
